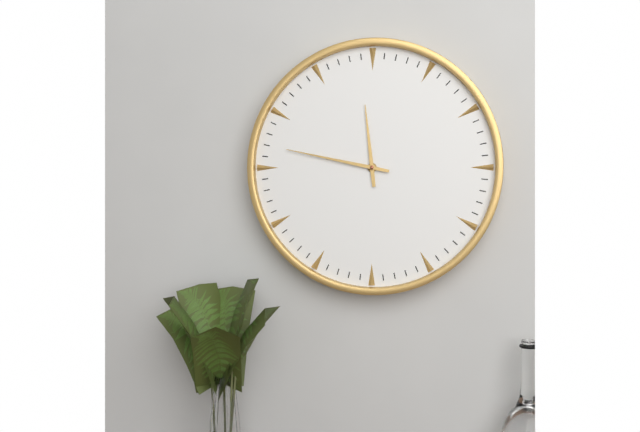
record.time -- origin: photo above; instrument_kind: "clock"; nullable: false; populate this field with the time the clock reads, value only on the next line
11:47
